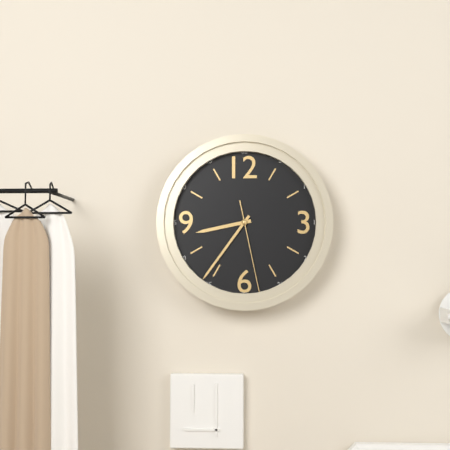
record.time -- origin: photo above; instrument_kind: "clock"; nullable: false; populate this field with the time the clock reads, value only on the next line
8:36:28
